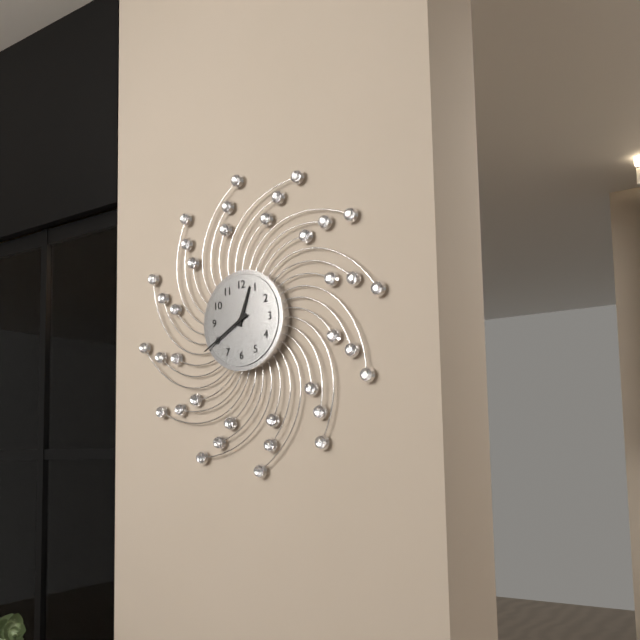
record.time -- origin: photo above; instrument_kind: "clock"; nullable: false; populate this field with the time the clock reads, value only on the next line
12:40
